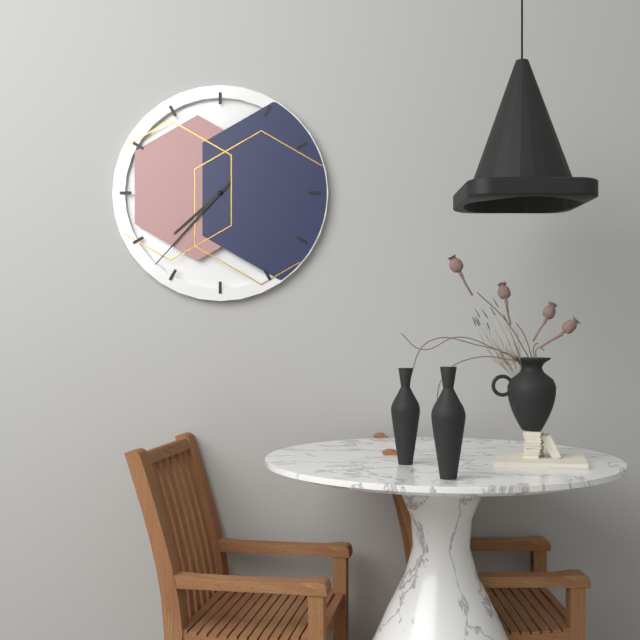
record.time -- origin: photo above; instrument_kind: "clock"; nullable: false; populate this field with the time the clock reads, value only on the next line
7:37
